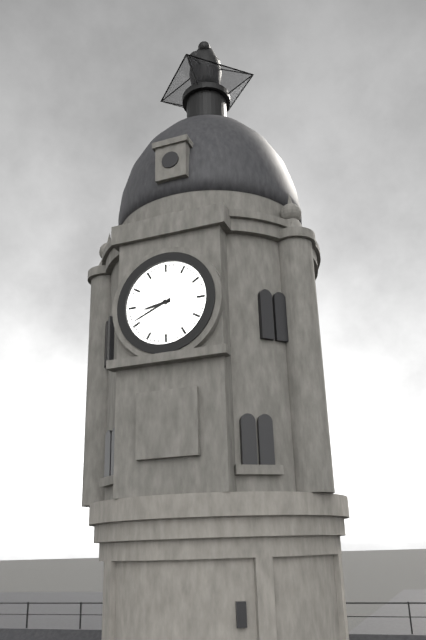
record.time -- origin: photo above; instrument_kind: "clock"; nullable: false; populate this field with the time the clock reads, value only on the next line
8:41
